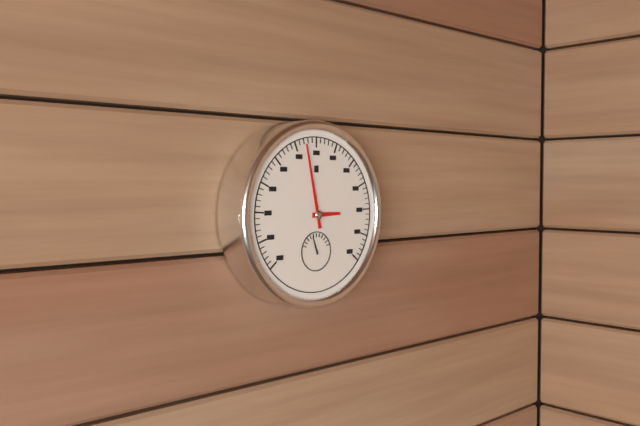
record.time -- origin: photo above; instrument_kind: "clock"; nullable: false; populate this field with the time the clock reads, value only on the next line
2:58
